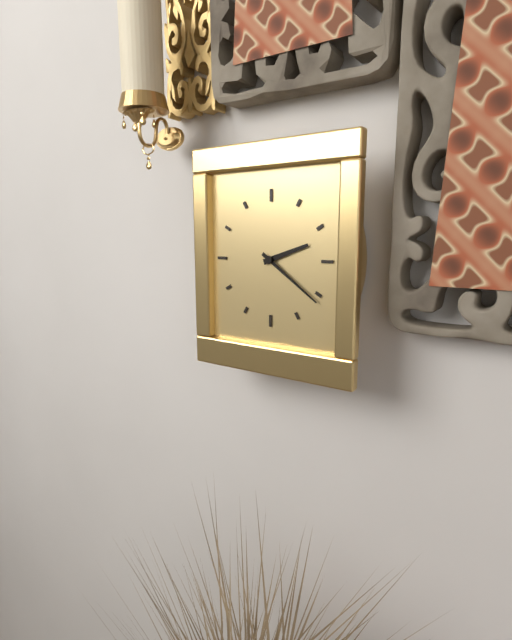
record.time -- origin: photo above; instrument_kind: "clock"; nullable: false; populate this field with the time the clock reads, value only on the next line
2:21
